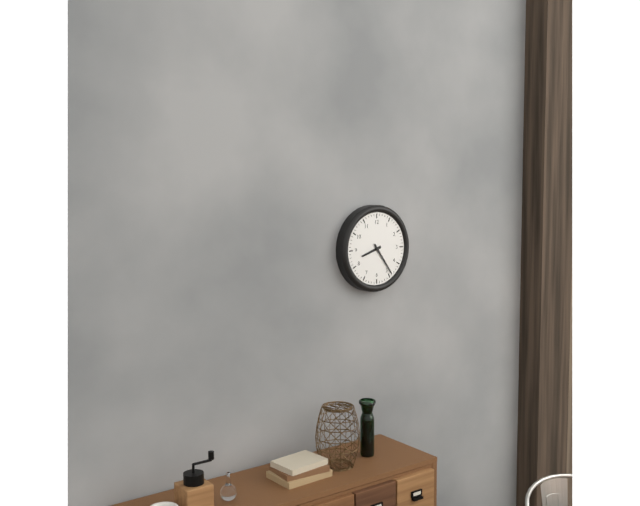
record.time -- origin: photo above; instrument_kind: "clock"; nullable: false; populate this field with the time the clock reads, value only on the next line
8:24
